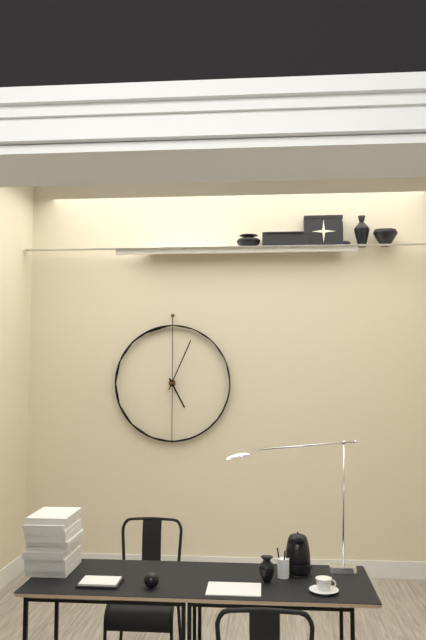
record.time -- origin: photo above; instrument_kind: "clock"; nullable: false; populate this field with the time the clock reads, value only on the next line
5:04
